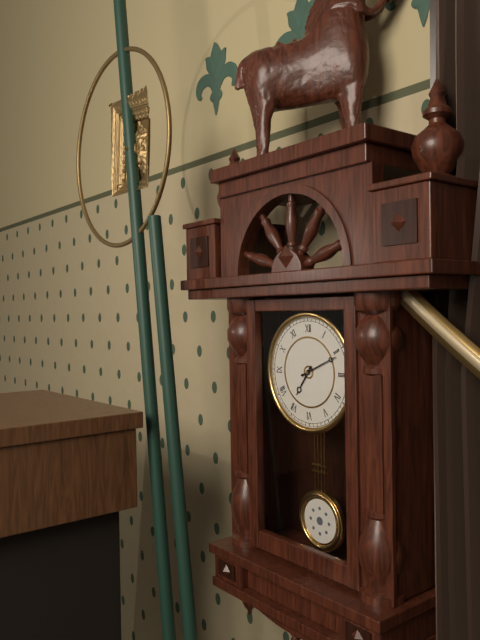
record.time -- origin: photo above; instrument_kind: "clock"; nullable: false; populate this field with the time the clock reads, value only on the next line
7:11
